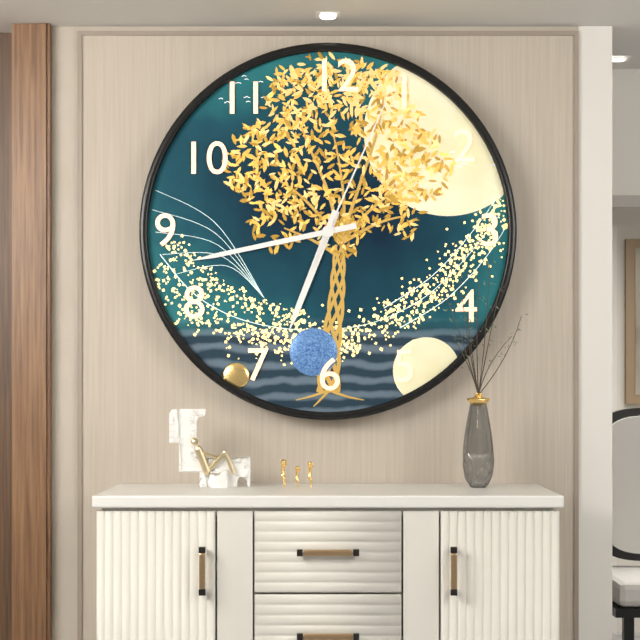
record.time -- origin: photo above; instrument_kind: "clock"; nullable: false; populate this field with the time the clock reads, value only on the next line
6:43:04
